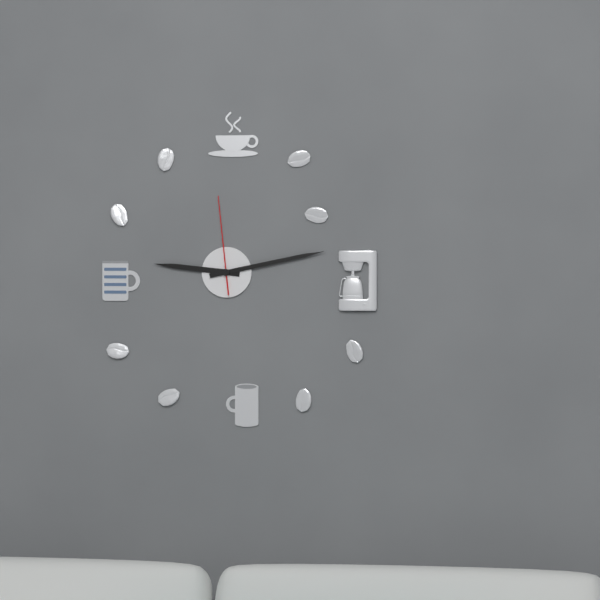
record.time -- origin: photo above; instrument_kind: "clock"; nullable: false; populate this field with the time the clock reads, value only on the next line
9:13:59
